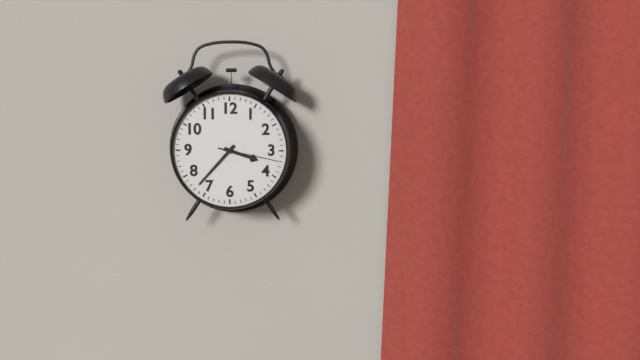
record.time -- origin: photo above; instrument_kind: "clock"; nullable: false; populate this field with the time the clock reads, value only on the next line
3:37:17
